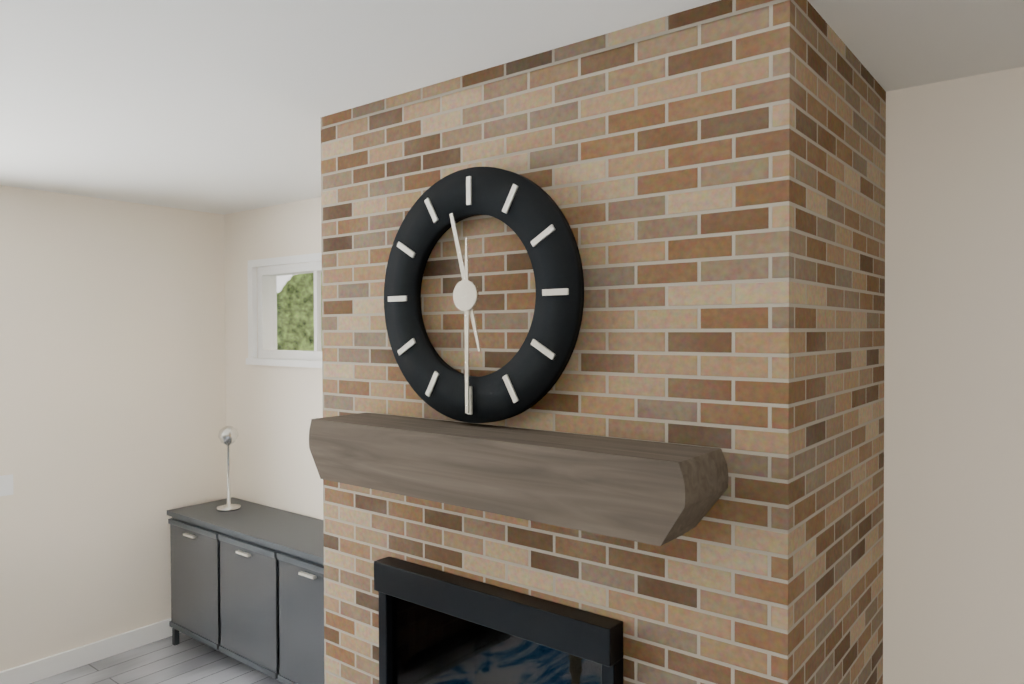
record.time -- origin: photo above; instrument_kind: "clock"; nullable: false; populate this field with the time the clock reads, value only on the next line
11:30
